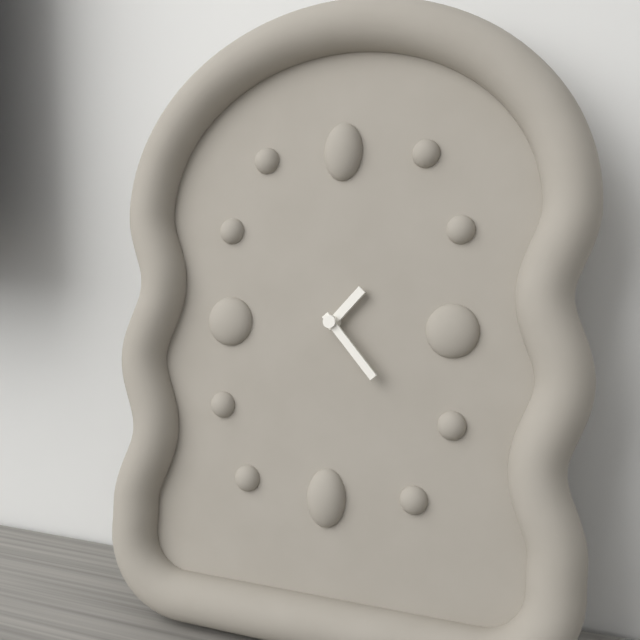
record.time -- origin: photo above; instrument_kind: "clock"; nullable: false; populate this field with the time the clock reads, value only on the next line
1:23
